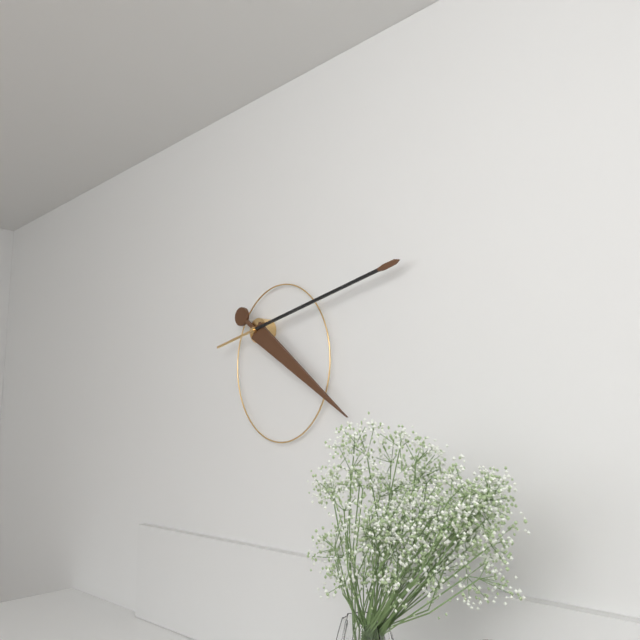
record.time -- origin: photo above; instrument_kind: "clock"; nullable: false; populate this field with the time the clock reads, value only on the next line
4:13
